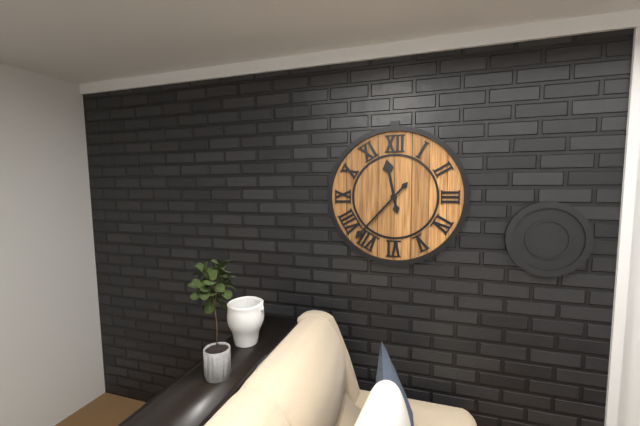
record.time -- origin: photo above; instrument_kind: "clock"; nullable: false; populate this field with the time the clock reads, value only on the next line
11:37
